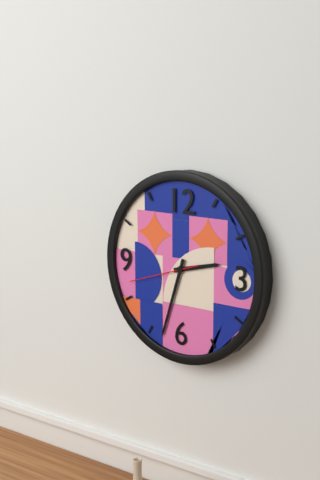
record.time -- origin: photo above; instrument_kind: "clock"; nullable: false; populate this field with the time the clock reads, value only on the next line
2:33:42
